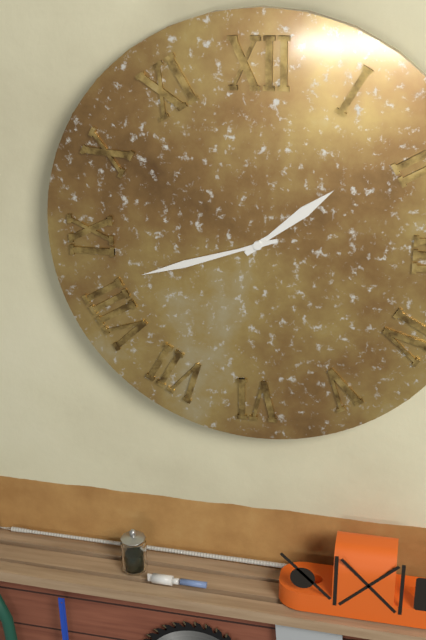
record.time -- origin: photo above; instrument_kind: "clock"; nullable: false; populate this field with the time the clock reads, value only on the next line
1:42
